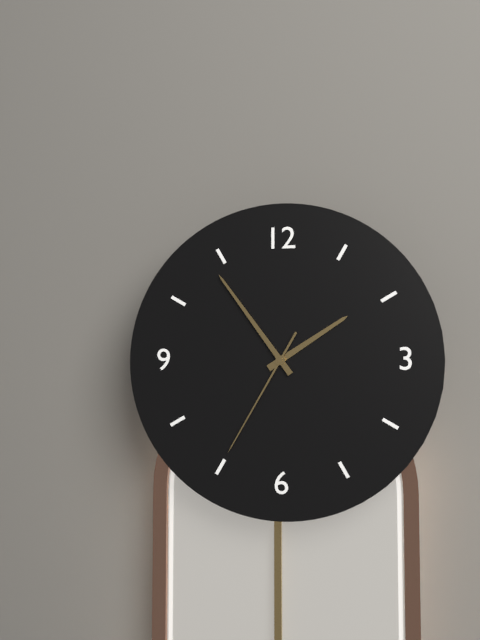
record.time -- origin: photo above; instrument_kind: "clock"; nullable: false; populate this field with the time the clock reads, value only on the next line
1:54:35
